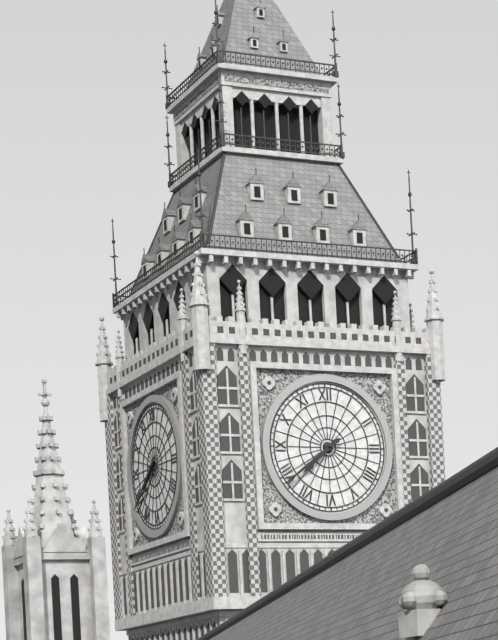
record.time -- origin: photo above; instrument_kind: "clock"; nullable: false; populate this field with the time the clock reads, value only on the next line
7:39
